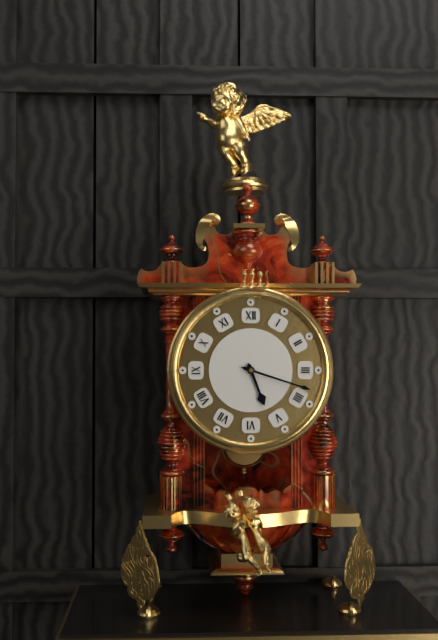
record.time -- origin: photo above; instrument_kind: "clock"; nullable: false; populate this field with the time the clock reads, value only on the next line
5:18
